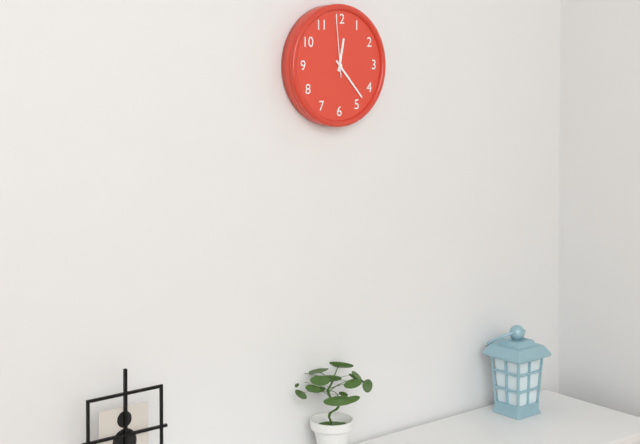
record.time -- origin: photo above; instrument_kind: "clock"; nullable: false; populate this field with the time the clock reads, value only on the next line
12:23:59
